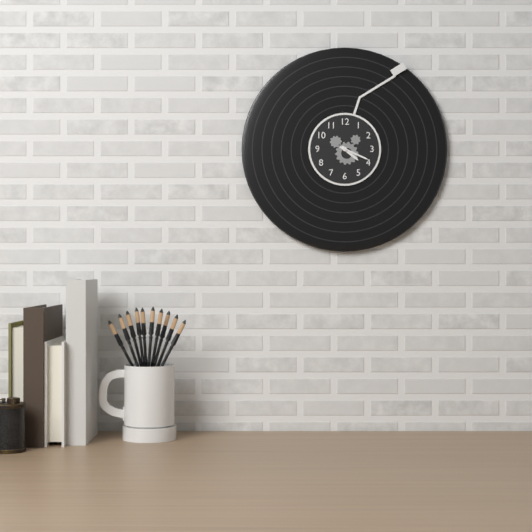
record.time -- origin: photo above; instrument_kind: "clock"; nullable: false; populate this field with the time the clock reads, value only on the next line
4:19
